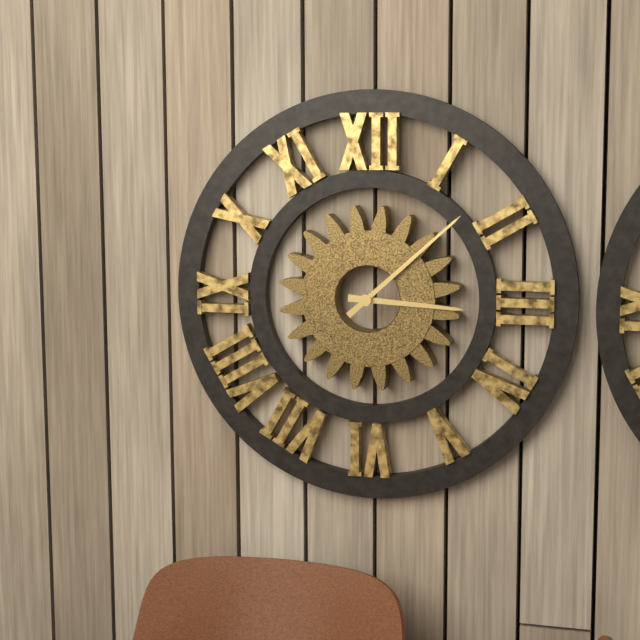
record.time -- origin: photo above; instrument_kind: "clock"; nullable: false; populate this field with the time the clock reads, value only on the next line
3:08
